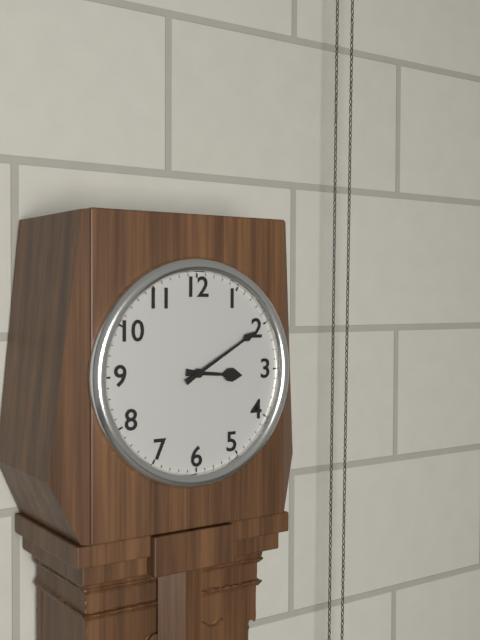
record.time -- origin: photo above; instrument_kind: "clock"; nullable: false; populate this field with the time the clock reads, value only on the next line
3:10
